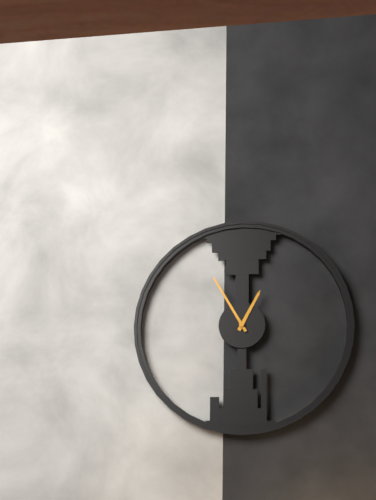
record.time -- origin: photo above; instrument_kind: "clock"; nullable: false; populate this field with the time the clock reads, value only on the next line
12:55
